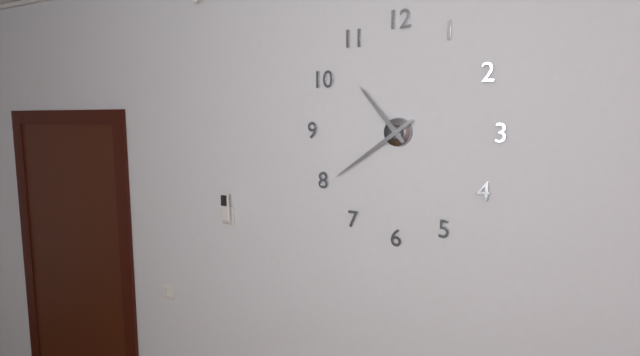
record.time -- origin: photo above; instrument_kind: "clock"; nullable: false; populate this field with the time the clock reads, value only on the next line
10:39
